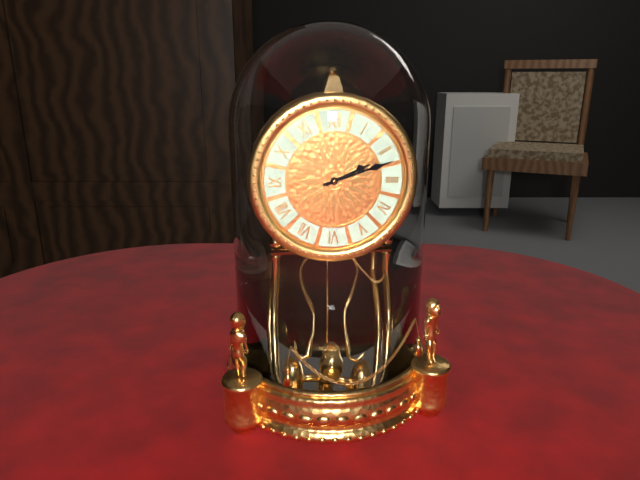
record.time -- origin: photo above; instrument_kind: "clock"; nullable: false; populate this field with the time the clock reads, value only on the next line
2:12
